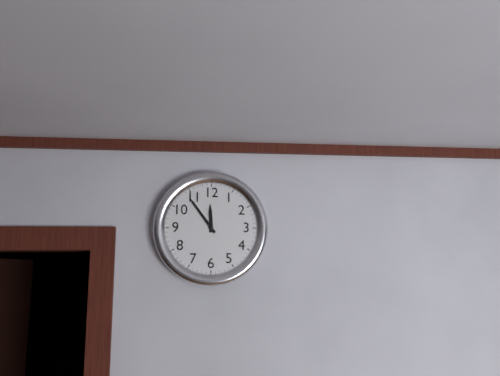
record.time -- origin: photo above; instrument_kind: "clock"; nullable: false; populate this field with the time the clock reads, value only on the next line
11:54
